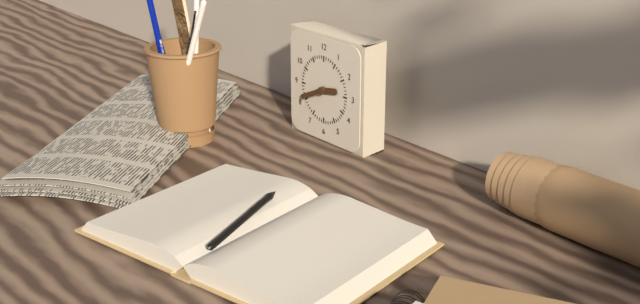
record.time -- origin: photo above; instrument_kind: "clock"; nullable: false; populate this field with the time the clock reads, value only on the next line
2:41
